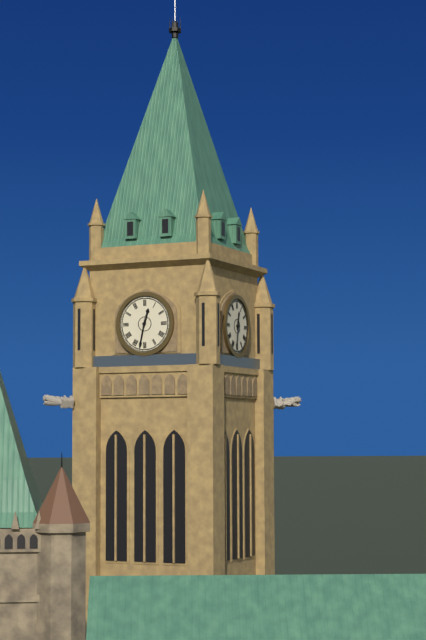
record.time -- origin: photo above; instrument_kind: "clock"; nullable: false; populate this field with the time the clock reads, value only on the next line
12:32
